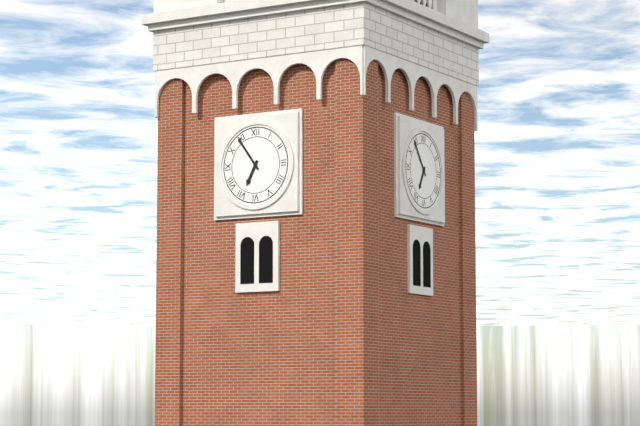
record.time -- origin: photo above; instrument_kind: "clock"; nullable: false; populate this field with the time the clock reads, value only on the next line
6:54
